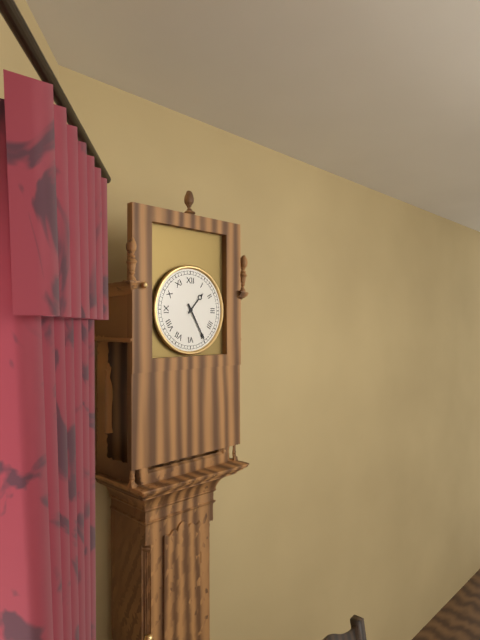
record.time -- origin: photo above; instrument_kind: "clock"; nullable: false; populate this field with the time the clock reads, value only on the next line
1:25
